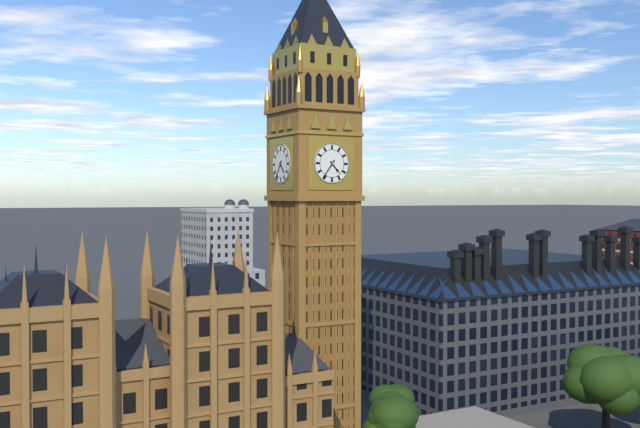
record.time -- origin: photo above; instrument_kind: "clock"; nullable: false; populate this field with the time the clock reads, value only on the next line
4:36
